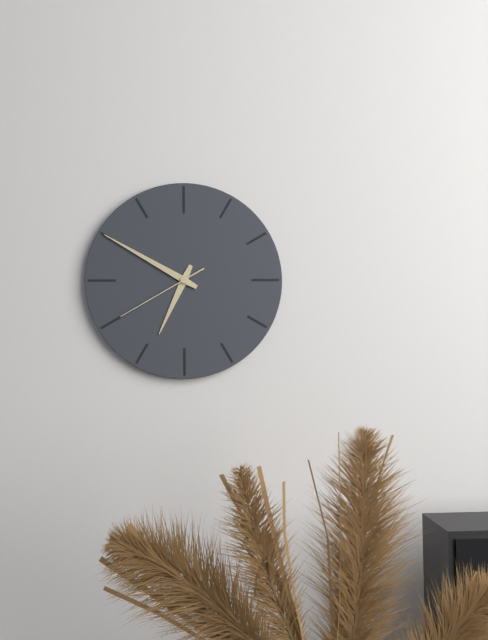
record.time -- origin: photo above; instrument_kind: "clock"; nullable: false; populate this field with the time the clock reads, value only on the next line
6:50:40
